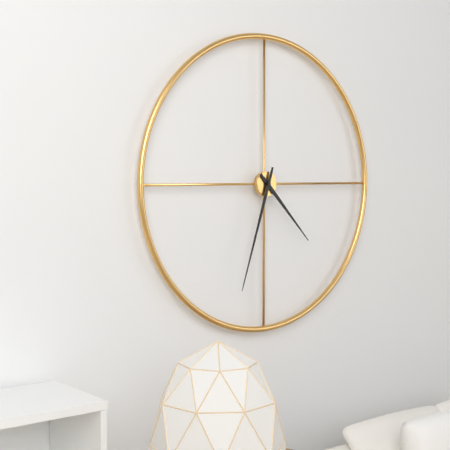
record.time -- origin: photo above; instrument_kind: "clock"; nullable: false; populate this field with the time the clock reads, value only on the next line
4:33
